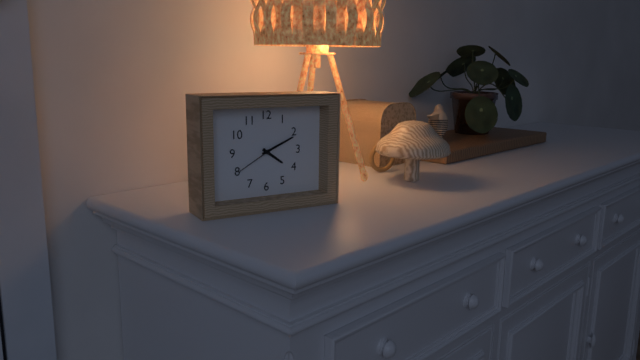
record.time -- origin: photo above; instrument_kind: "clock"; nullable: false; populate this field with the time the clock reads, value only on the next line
4:11
